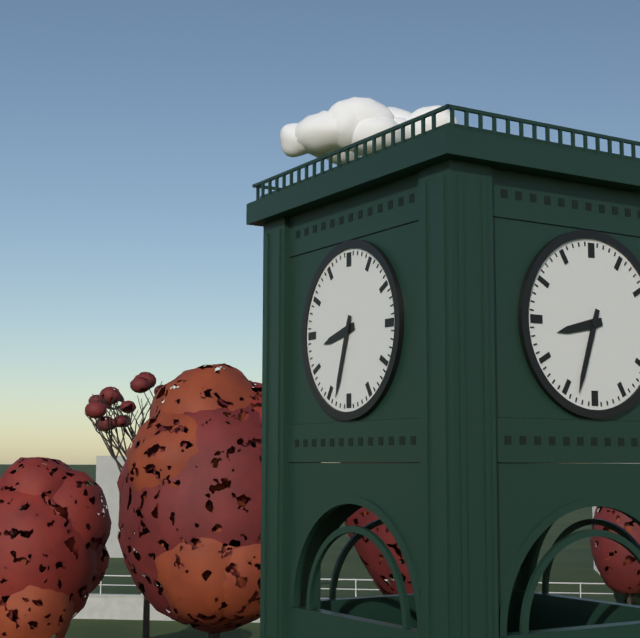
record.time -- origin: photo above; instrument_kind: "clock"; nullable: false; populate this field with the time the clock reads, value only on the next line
8:33
